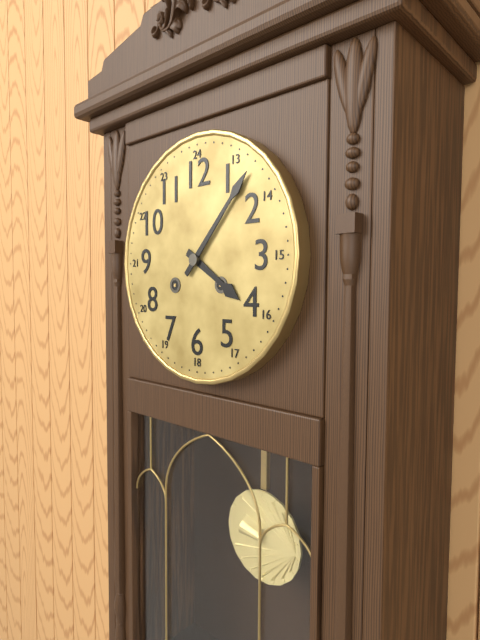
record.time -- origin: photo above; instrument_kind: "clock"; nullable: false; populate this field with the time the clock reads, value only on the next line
4:07
